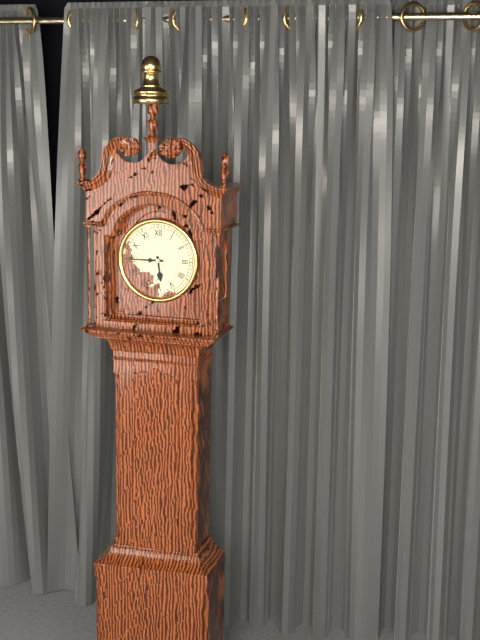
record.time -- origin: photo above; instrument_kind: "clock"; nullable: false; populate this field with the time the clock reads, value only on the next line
5:45
